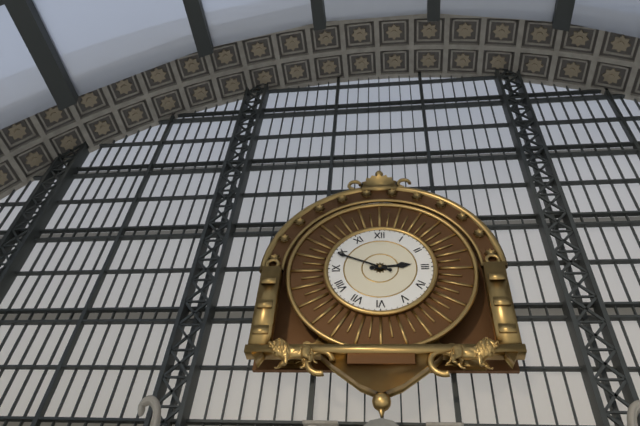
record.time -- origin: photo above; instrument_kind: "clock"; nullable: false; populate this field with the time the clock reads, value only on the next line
2:49
